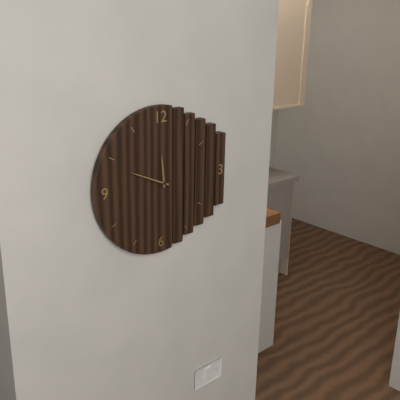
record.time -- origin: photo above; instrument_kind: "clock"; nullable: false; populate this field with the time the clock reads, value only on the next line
11:49
